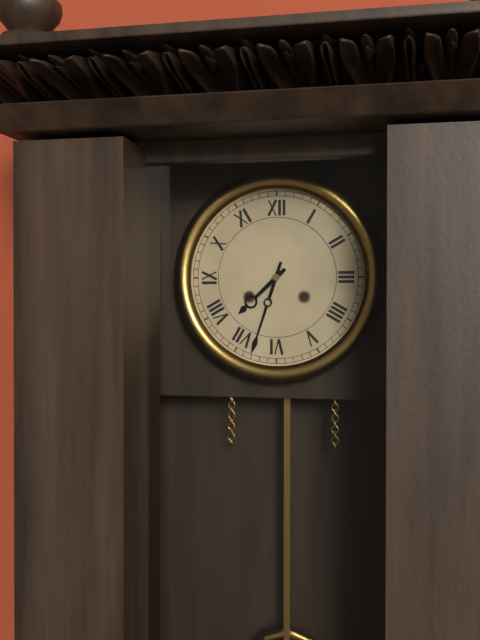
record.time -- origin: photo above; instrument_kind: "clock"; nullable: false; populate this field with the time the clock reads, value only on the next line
7:33
